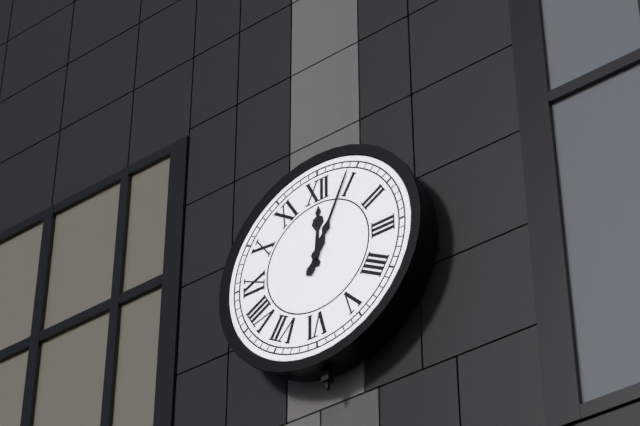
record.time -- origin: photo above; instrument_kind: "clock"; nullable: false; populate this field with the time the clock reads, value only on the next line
12:04
